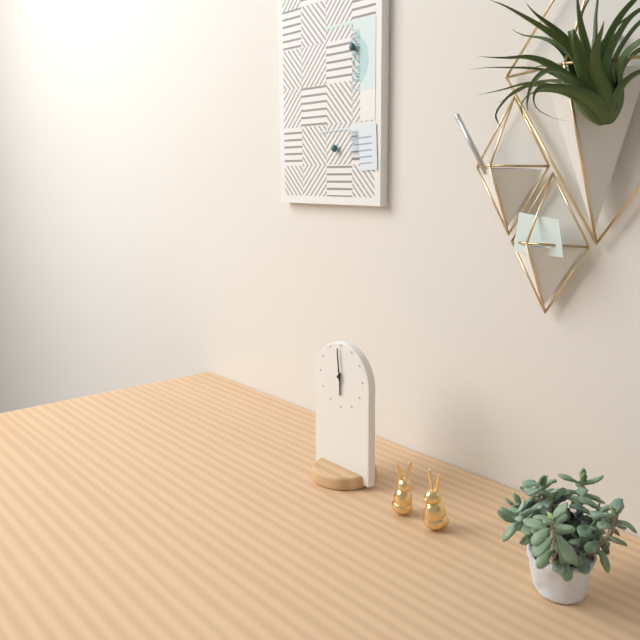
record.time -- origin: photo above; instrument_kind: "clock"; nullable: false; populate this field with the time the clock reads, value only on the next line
5:59
